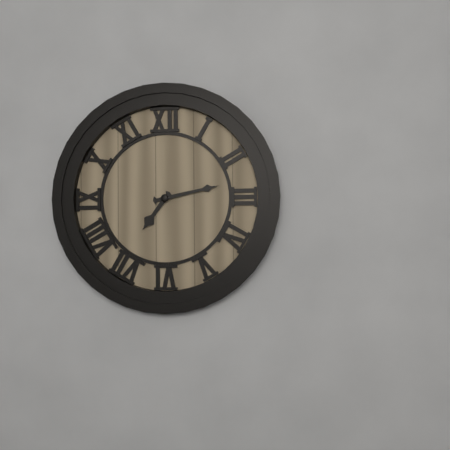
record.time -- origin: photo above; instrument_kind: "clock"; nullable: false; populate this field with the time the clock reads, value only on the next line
7:13
